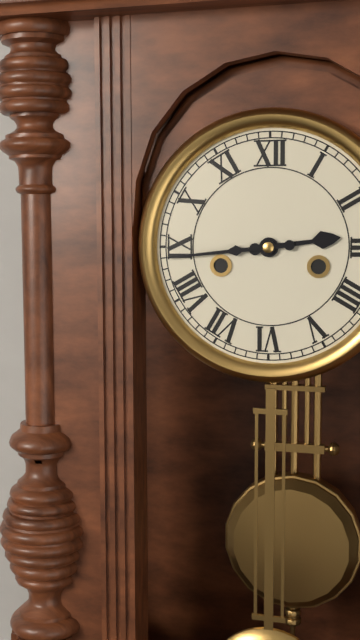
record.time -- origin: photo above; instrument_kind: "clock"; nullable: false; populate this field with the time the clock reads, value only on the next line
2:44
